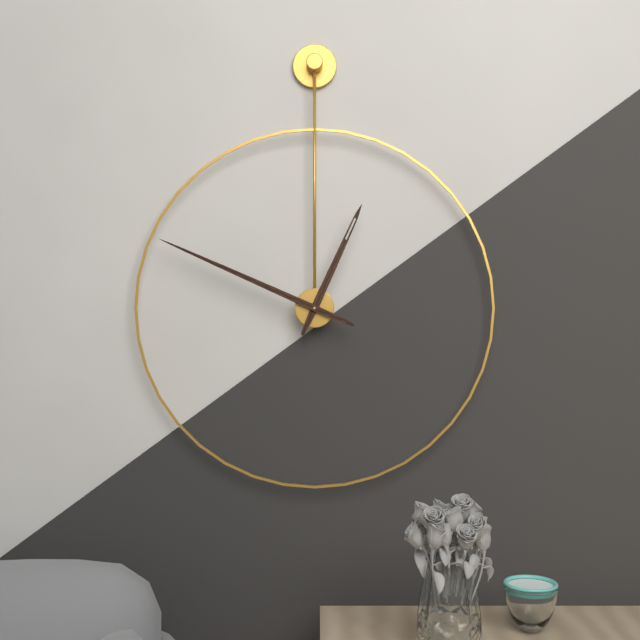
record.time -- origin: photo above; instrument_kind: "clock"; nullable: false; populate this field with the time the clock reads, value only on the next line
12:49
